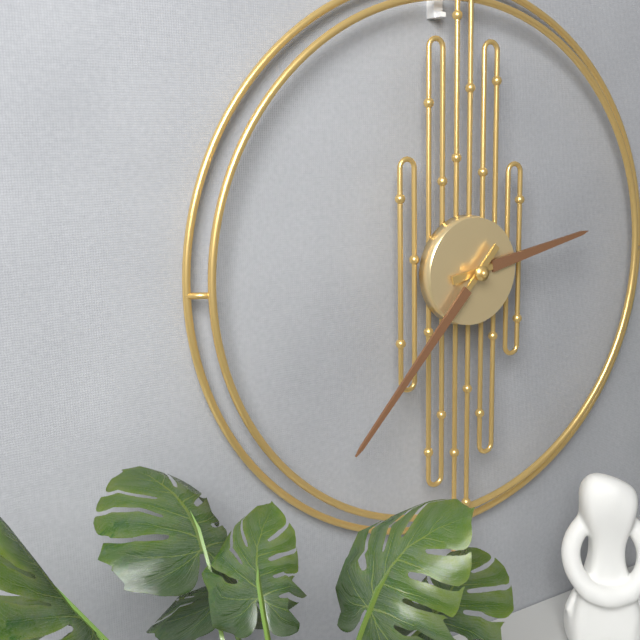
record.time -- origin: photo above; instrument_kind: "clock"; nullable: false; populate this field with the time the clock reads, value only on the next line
2:37
